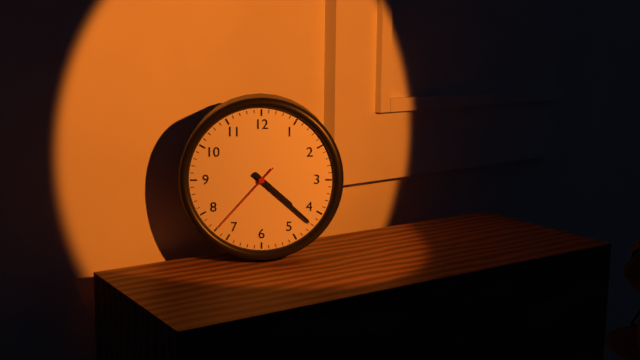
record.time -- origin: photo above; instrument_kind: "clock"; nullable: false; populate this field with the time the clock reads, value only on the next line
4:22:37
